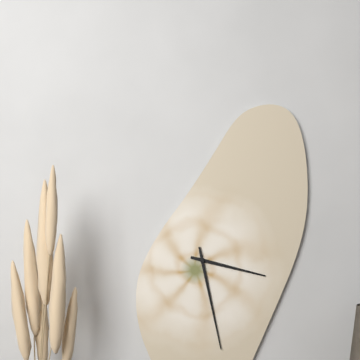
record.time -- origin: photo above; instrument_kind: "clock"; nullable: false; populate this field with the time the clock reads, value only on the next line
3:28
